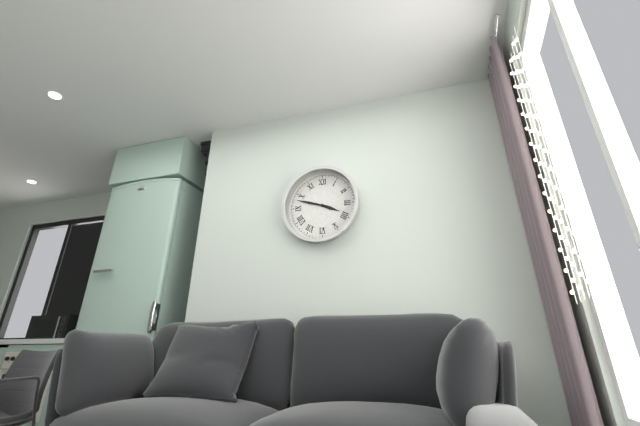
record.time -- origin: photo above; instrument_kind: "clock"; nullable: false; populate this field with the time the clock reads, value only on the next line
3:48
